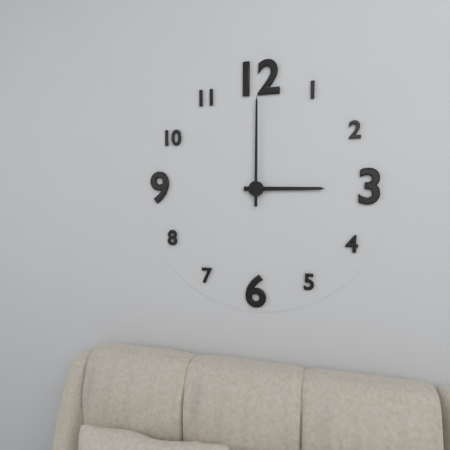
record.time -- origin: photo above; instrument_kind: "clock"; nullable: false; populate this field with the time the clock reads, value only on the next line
3:00
